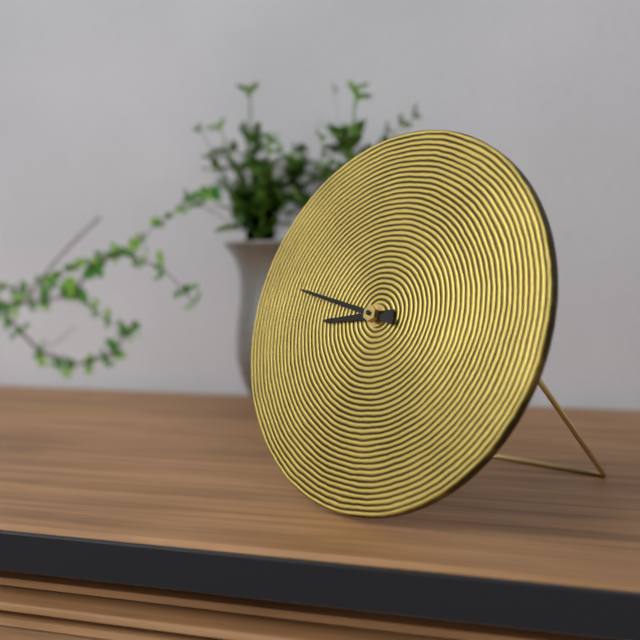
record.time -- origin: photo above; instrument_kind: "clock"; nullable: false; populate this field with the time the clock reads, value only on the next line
8:47
